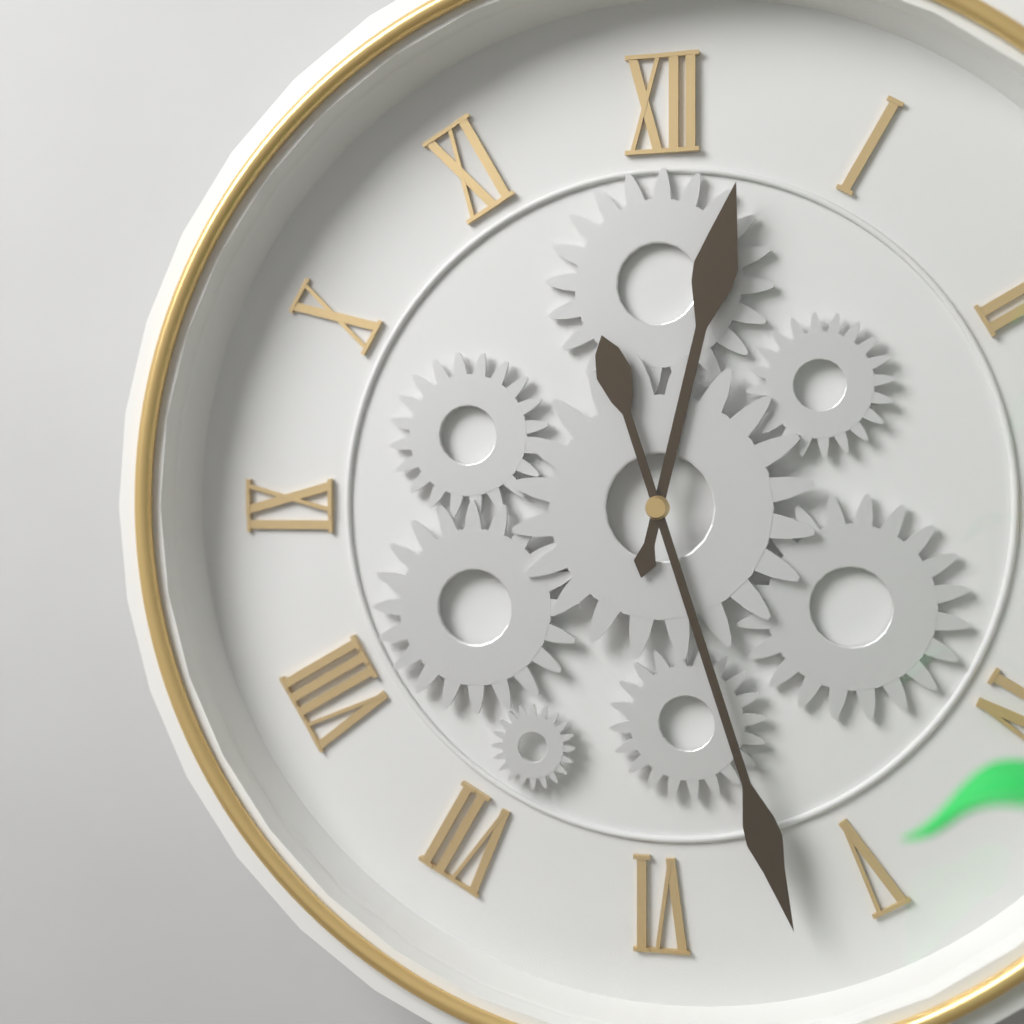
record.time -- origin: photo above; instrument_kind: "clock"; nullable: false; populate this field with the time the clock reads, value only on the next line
12:27
